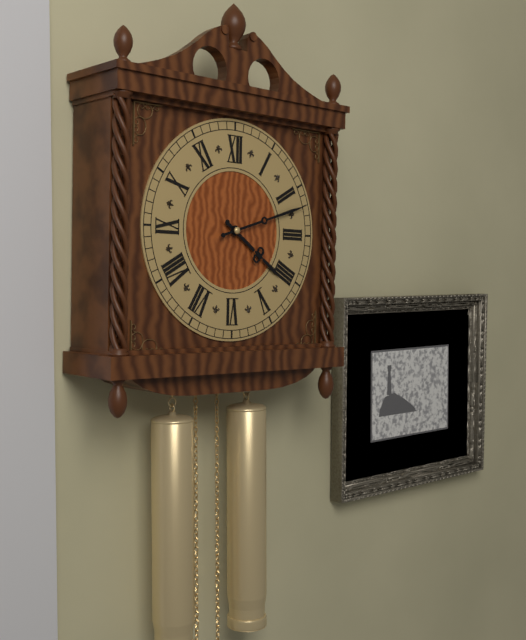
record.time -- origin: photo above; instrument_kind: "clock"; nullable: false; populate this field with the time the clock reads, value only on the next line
4:12
